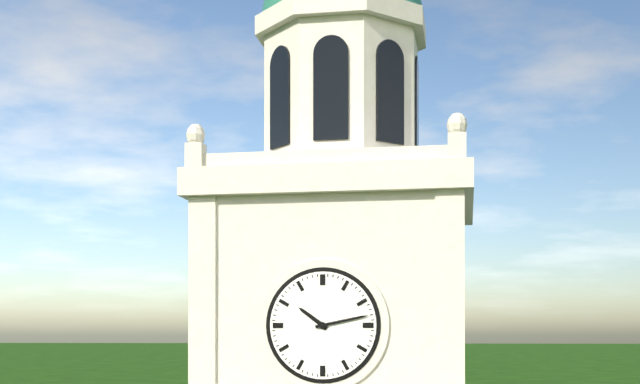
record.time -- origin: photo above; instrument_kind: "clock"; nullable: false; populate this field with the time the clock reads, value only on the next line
10:13
